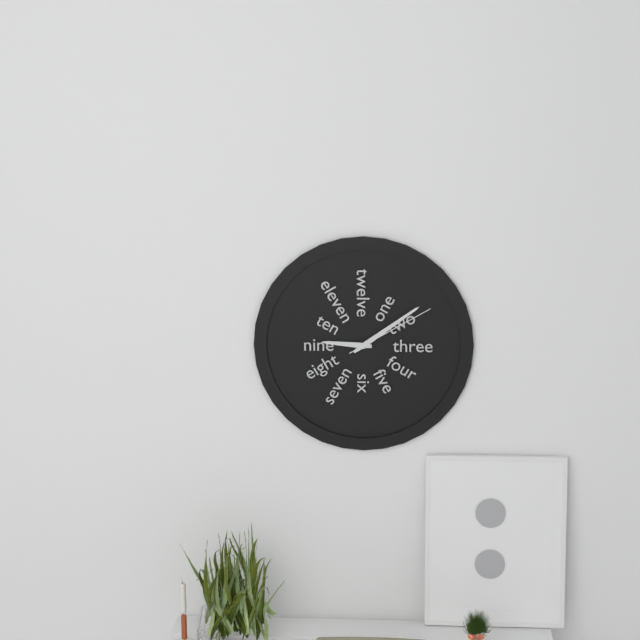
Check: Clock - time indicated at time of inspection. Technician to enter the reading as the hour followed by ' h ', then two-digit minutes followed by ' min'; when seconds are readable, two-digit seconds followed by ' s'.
9 h 09 min 10 s
